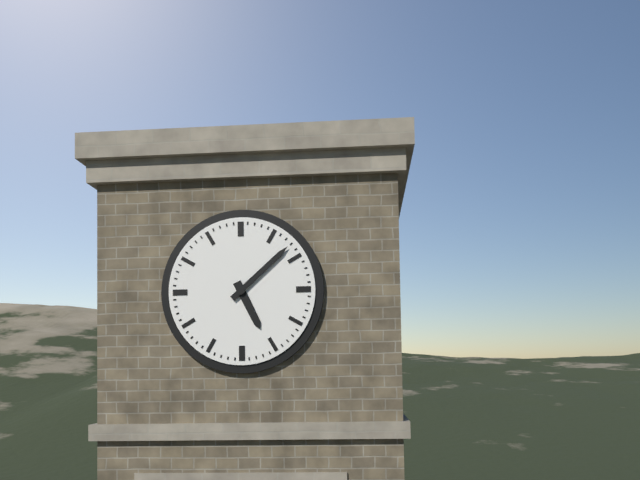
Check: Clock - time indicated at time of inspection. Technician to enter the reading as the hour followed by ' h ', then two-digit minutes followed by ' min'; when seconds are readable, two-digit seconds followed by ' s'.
5 h 08 min
